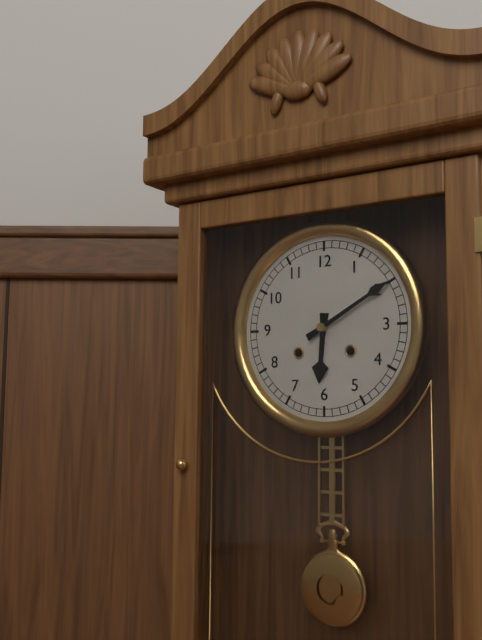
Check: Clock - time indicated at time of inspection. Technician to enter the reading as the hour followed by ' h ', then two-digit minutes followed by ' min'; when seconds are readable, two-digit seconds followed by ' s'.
6 h 10 min
